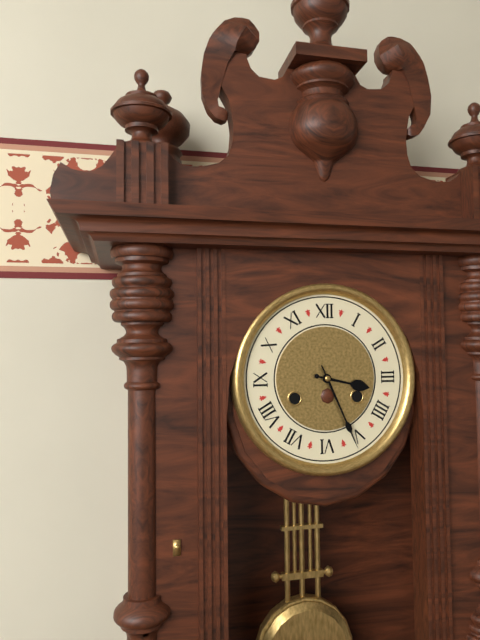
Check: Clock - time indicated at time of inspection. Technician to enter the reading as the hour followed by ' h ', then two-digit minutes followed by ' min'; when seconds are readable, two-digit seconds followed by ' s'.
3 h 26 min
